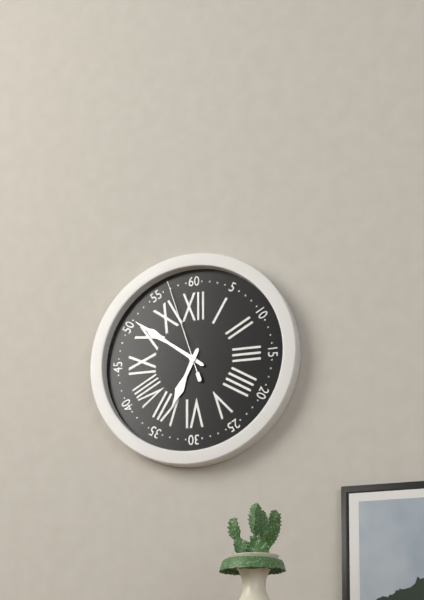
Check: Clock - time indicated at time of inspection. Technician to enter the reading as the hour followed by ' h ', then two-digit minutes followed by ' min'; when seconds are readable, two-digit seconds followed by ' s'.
6 h 51 min 57 s
